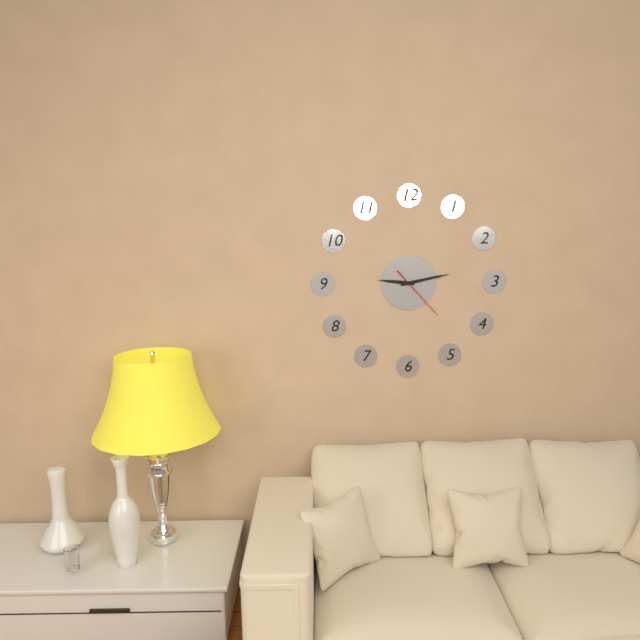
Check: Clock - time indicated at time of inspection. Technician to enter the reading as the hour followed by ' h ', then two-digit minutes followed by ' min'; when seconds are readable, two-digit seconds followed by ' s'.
9 h 13 min 23 s
